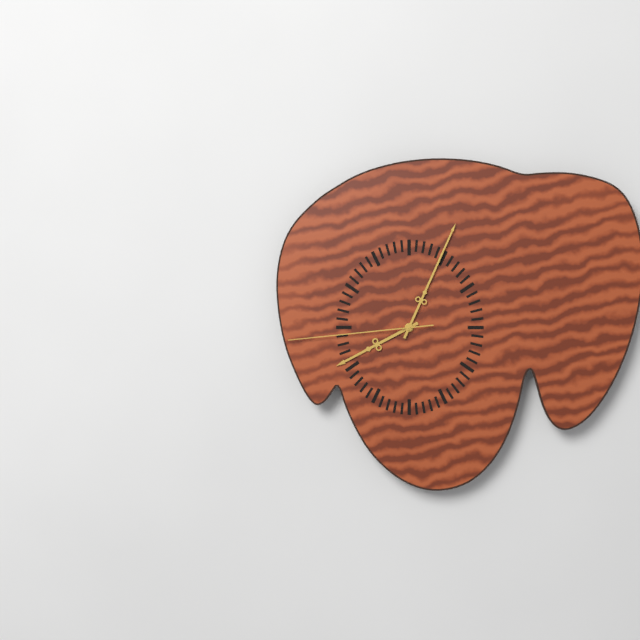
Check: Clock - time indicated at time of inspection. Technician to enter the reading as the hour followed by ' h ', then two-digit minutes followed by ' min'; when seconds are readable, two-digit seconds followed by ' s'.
8 h 04 min 44 s
